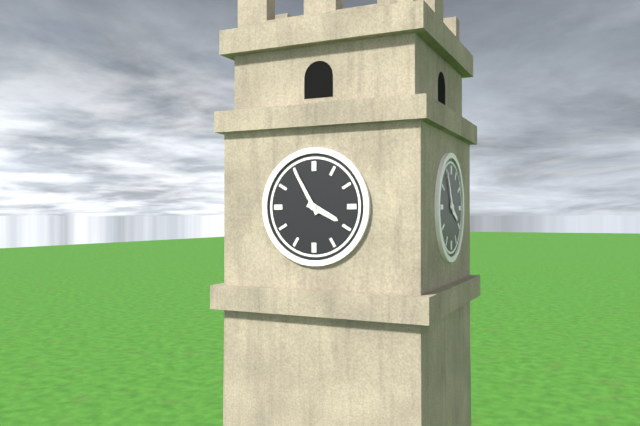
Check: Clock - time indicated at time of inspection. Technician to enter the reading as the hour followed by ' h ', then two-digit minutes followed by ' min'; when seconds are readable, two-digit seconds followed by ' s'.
3 h 55 min
